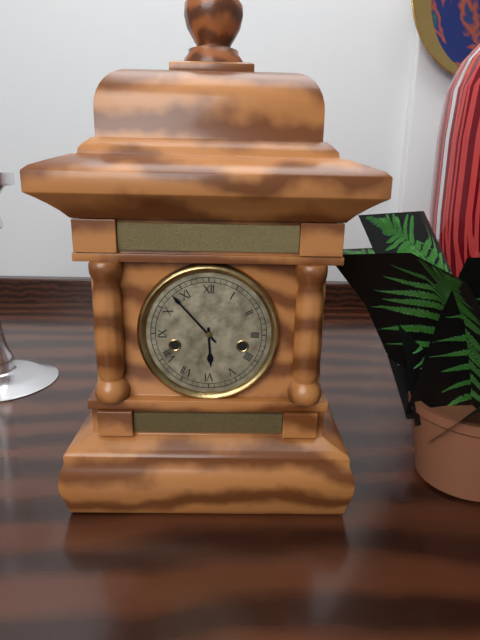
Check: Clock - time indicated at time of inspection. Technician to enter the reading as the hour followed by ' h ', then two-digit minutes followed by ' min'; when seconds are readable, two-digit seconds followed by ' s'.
5 h 53 min
